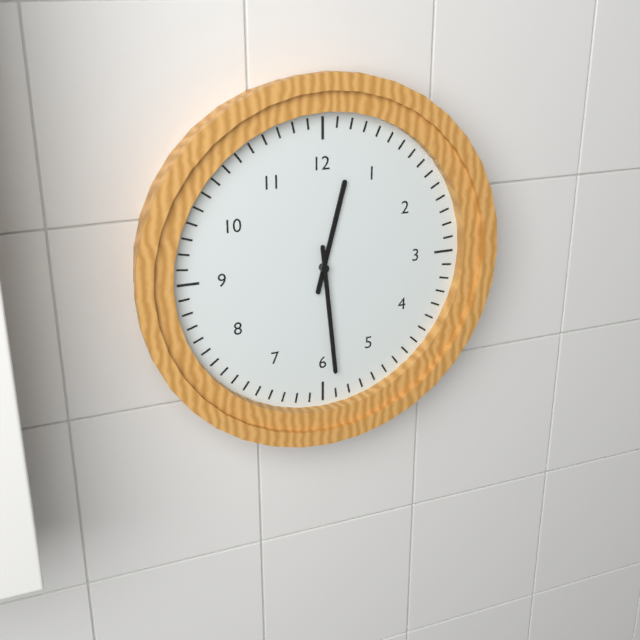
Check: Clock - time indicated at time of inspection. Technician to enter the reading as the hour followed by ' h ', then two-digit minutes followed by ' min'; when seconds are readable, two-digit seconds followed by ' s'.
12 h 29 min
